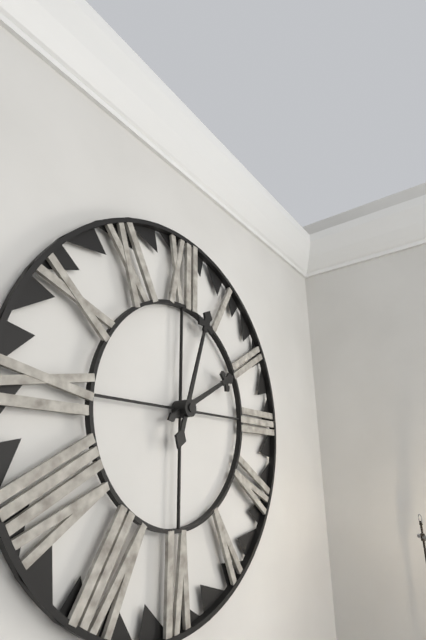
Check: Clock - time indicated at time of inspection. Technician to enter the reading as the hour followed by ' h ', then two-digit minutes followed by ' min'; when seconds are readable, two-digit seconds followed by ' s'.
2 h 03 min
